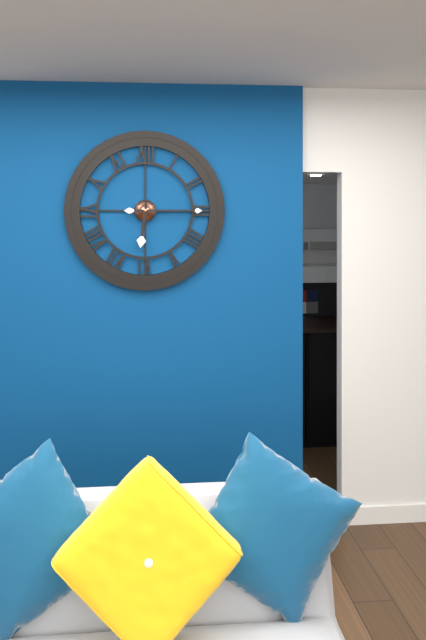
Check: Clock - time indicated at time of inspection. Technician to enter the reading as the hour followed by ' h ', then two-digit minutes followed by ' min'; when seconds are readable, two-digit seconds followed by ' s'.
6 h 15 min
